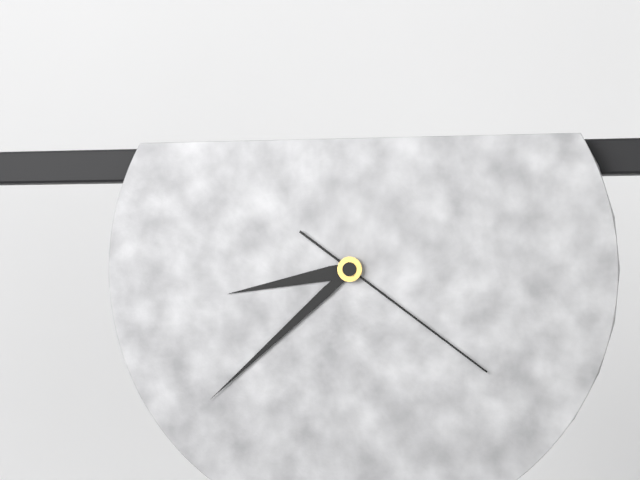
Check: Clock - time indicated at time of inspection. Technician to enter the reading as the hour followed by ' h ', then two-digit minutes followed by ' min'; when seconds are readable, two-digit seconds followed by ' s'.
8 h 38 min 21 s
